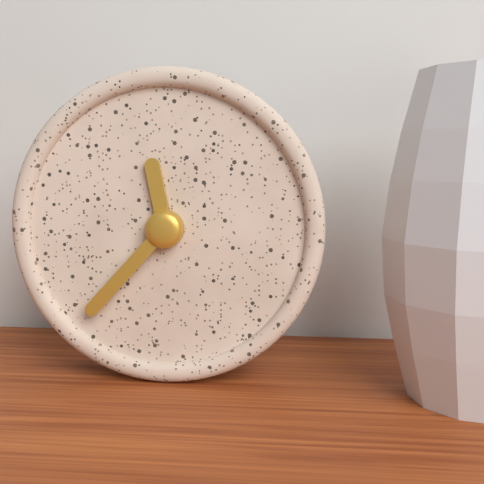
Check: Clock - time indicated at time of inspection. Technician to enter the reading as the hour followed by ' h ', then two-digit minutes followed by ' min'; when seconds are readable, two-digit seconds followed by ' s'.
11 h 37 min
